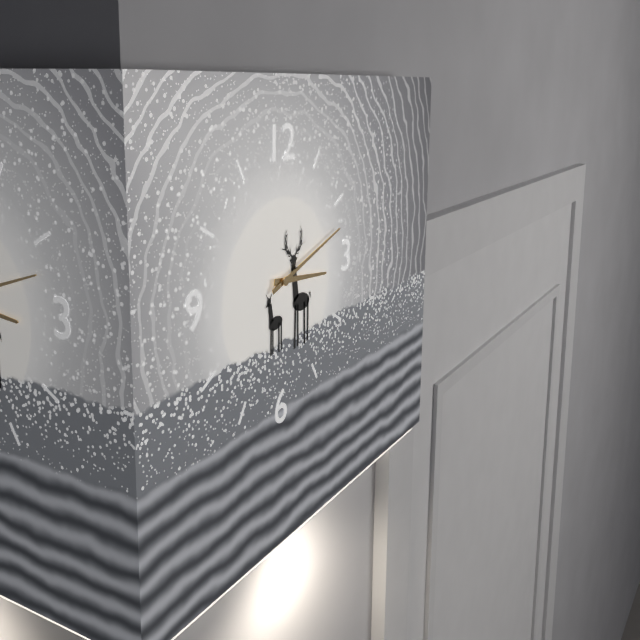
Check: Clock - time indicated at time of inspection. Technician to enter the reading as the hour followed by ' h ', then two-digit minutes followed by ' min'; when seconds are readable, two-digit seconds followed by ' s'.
3 h 12 min
